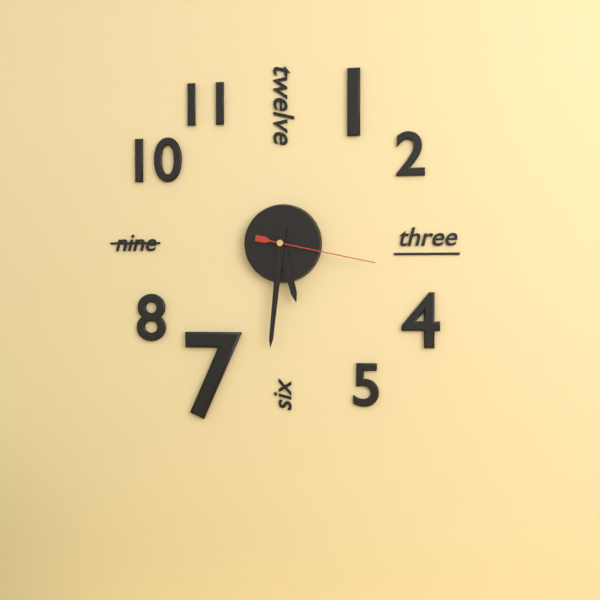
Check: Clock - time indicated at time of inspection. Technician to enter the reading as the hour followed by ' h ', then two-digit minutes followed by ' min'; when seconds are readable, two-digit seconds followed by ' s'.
5 h 31 min 17 s
